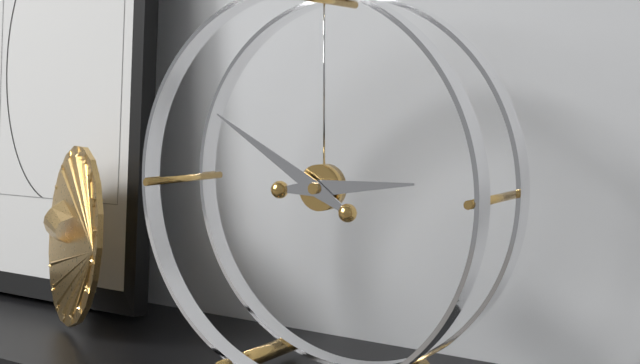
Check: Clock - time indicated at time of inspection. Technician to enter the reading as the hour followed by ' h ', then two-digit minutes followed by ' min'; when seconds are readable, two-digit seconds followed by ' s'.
2 h 50 min
